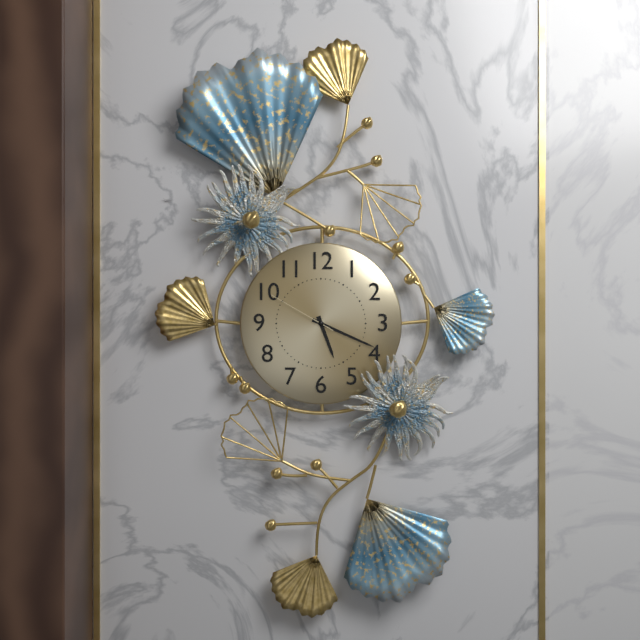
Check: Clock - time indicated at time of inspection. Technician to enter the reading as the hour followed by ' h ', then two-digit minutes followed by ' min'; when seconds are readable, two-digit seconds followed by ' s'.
5 h 19 min 50 s
